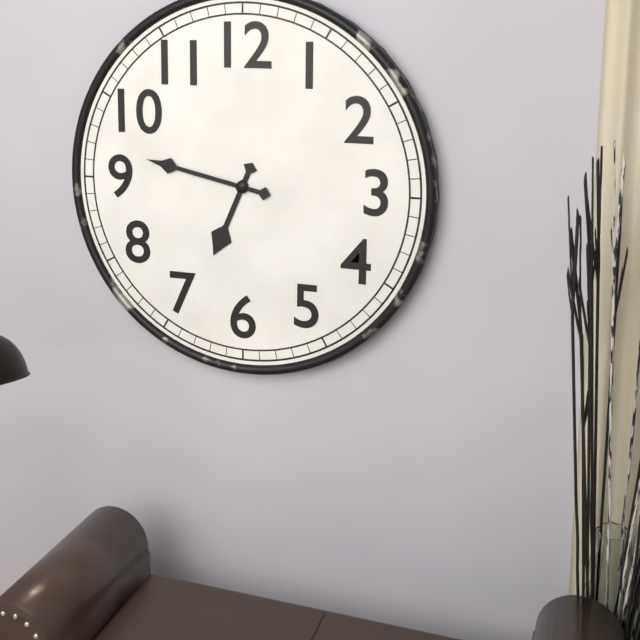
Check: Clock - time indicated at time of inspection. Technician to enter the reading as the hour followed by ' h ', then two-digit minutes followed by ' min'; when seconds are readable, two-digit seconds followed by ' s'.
6 h 47 min
